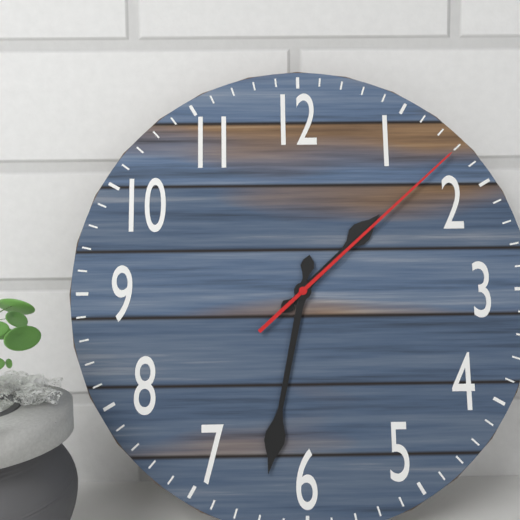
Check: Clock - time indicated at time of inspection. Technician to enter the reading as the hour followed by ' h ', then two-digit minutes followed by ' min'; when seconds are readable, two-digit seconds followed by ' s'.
1 h 32 min 08 s
